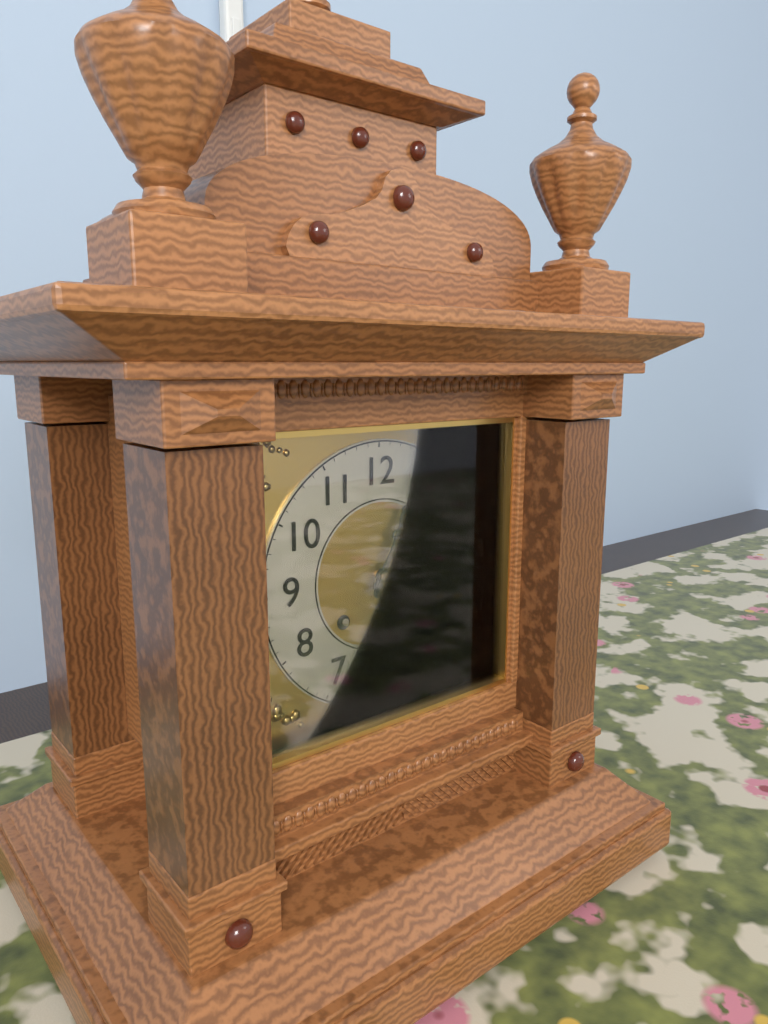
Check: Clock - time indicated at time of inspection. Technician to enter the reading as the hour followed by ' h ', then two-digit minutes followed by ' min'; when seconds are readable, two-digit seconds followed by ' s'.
1 h 04 min
